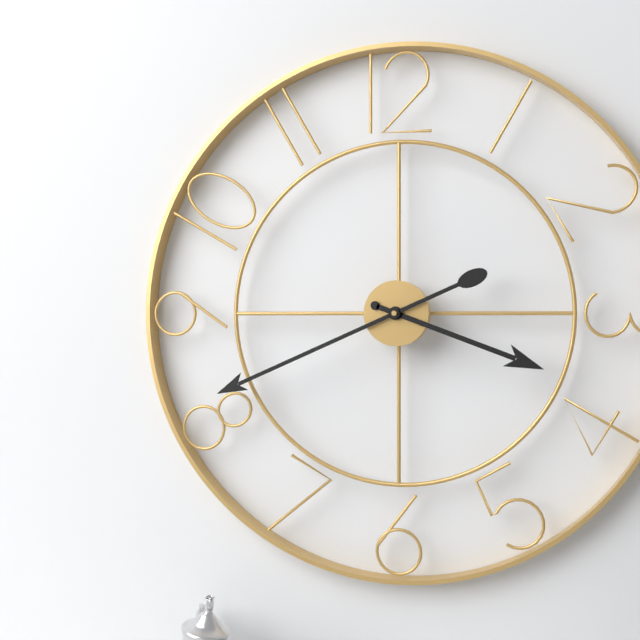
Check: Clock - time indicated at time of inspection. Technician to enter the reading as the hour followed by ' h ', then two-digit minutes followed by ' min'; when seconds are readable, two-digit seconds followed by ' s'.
3 h 41 min
